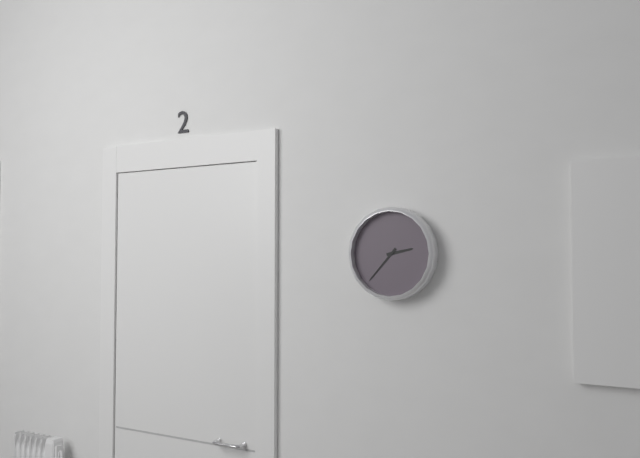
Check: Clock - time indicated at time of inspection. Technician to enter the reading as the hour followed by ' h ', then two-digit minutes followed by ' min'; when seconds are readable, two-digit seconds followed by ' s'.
2 h 37 min
